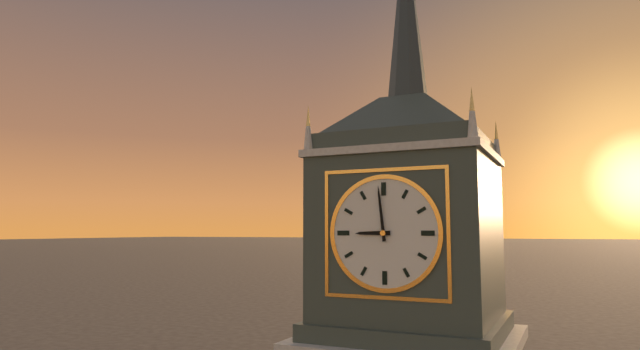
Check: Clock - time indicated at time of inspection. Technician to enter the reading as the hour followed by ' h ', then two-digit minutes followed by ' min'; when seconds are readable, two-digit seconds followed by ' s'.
8 h 59 min
